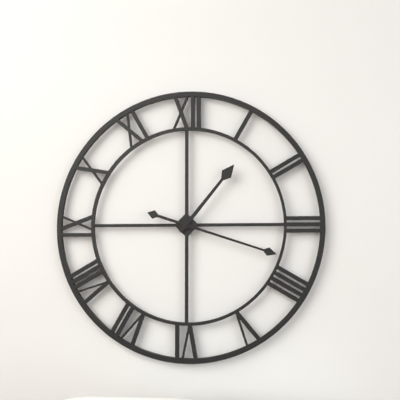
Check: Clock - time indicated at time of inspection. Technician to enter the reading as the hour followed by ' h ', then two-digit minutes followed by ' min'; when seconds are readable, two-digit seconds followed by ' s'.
1 h 18 min
